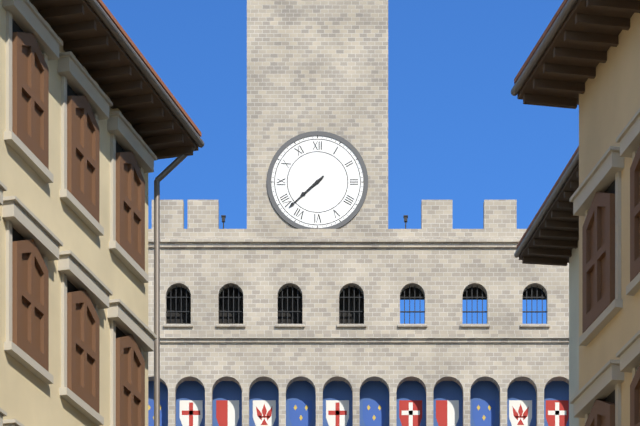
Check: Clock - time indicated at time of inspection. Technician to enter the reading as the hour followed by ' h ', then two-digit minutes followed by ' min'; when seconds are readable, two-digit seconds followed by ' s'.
7 h 38 min
